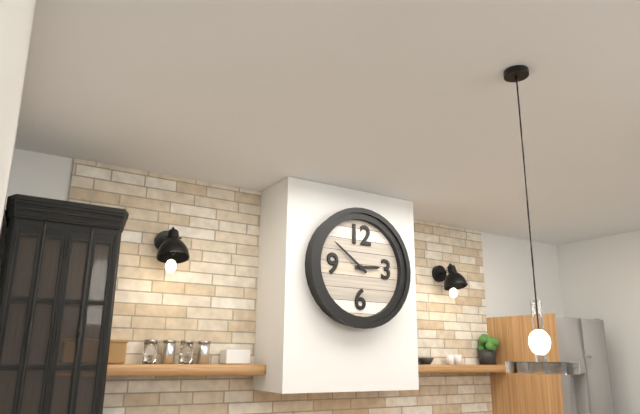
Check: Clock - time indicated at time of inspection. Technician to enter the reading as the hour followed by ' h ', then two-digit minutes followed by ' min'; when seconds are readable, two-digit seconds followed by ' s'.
2 h 51 min
